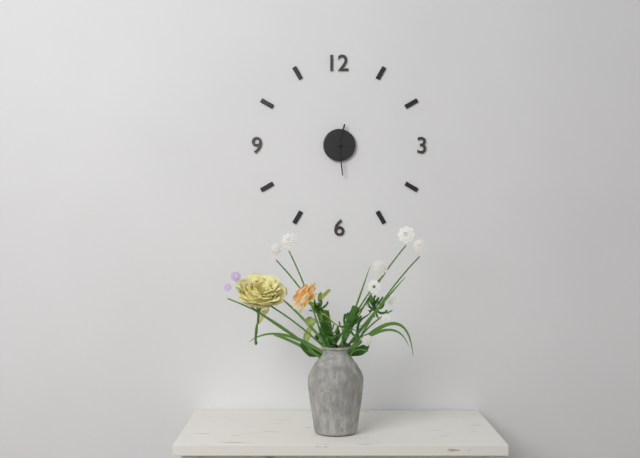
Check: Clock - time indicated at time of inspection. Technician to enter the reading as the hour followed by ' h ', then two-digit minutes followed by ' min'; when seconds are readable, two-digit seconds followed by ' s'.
12 h 29 min
